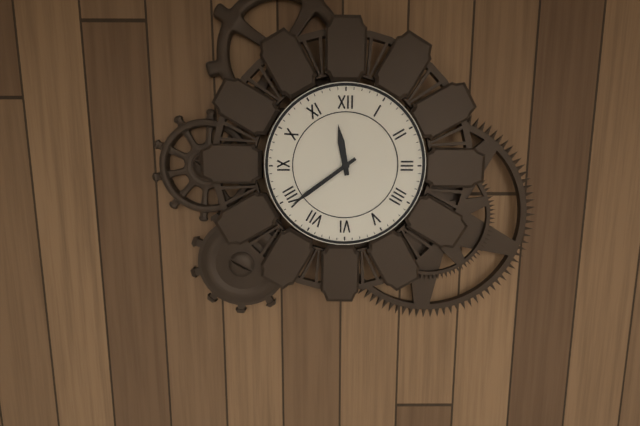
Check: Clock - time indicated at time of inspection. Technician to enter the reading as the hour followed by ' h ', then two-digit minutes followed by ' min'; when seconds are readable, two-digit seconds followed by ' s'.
11 h 39 min
